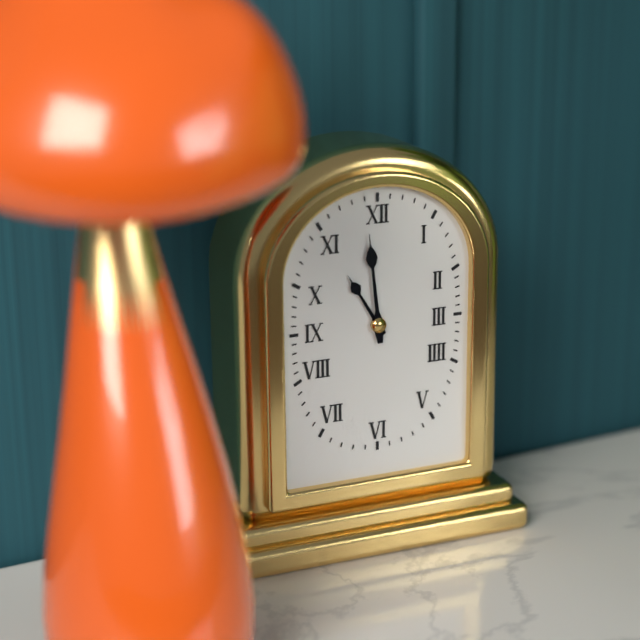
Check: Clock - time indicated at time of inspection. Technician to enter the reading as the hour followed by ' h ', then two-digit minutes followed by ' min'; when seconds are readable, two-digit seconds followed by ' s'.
10 h 59 min
